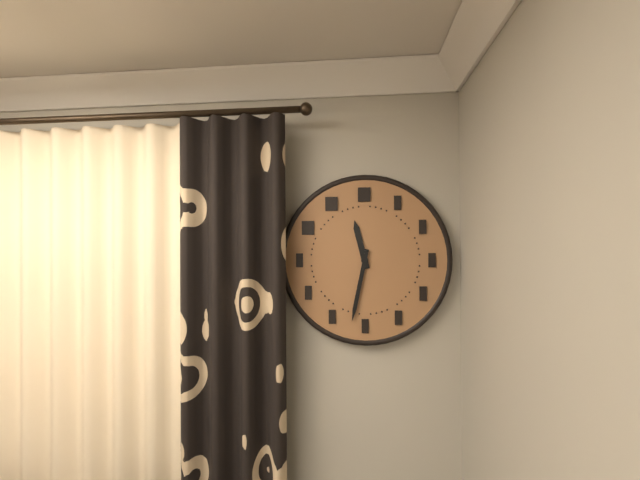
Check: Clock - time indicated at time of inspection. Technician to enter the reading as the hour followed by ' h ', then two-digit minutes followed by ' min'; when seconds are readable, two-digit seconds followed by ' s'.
11 h 32 min
